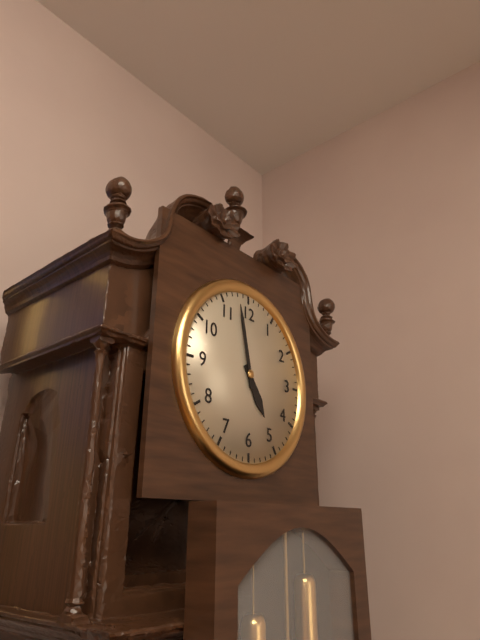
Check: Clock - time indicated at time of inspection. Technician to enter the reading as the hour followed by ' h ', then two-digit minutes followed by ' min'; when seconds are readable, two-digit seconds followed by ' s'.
4 h 58 min
